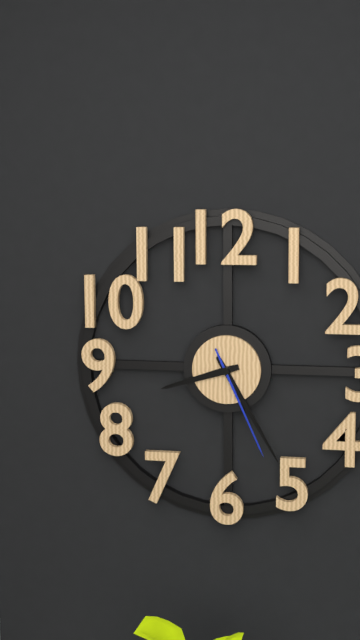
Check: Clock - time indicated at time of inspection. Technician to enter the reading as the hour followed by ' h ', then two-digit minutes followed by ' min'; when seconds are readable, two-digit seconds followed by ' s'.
8 h 25 min 26 s
